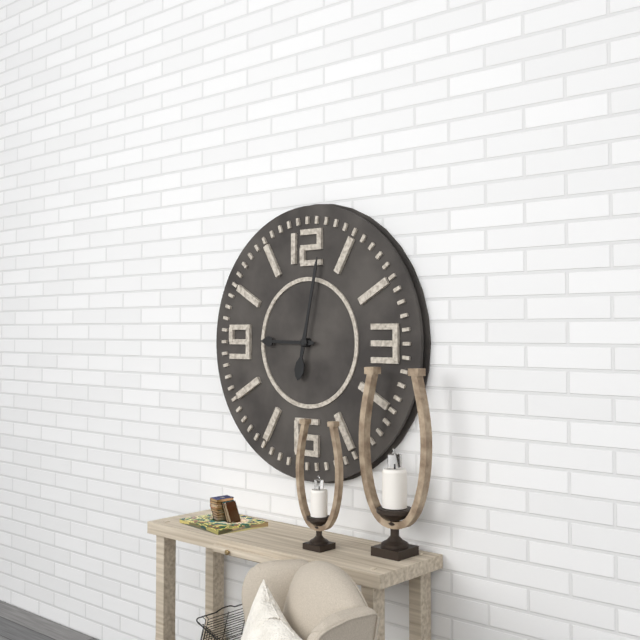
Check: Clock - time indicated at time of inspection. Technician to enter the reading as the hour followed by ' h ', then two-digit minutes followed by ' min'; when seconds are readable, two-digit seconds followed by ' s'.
9 h 02 min
